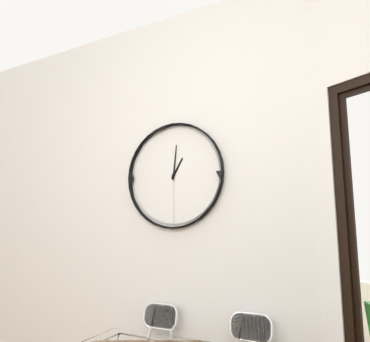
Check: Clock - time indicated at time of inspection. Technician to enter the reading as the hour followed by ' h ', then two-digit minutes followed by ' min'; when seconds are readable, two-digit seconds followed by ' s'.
1 h 01 min
